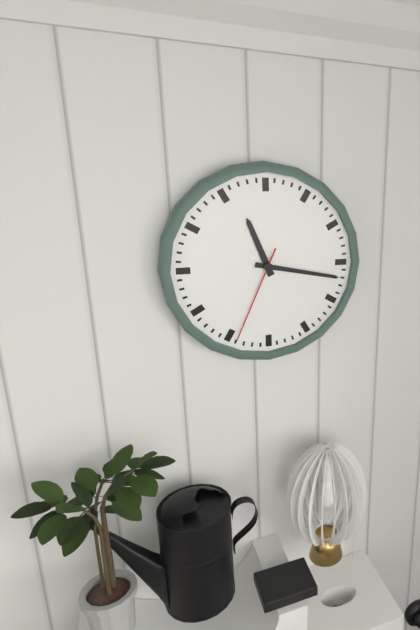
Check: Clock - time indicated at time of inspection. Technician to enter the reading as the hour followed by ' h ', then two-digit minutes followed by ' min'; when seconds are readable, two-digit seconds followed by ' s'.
11 h 17 min 34 s
